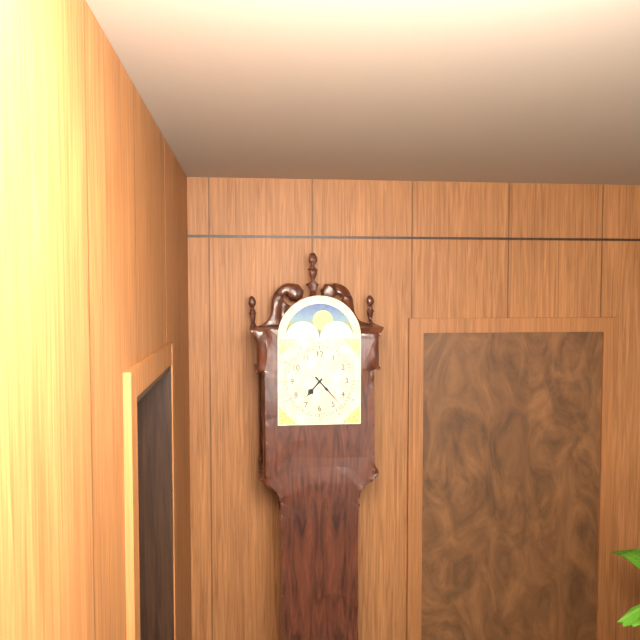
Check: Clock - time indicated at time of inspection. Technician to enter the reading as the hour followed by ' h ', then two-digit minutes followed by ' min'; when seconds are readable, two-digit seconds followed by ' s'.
7 h 23 min
